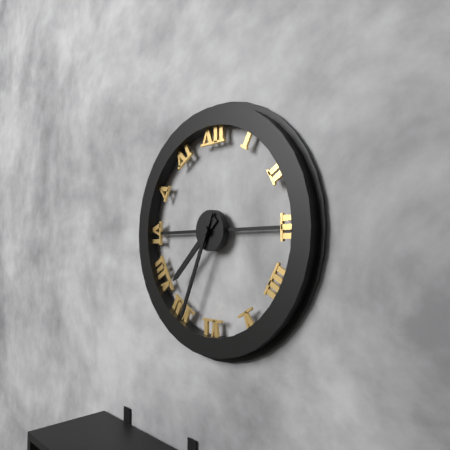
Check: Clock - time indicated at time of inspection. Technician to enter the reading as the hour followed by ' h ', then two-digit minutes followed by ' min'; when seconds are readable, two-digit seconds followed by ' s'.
7 h 34 min
